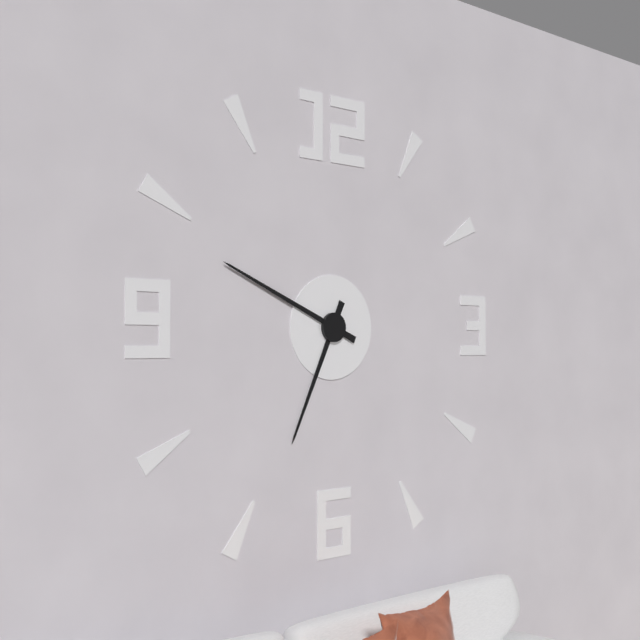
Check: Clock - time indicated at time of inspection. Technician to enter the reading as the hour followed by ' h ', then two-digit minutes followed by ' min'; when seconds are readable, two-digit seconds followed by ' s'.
6 h 49 min
